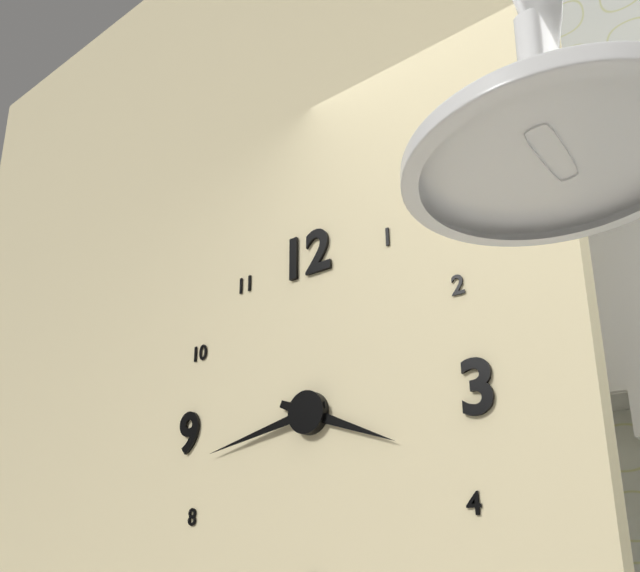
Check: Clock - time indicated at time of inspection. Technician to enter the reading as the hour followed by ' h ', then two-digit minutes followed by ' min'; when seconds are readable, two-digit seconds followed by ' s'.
3 h 43 min
